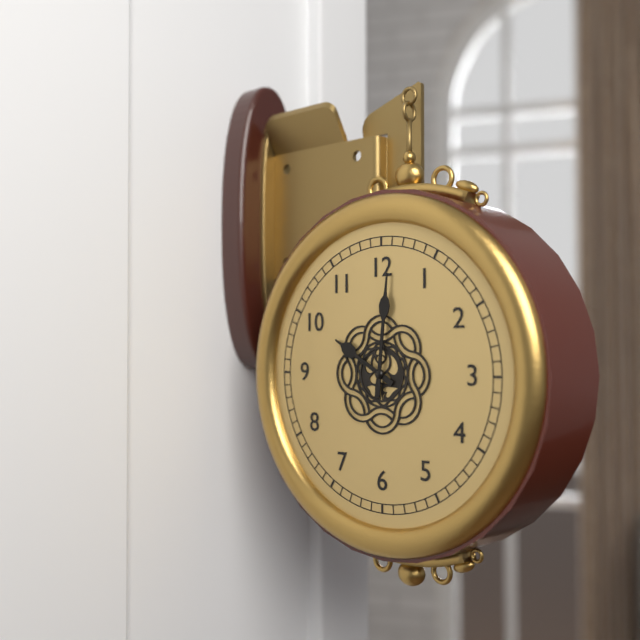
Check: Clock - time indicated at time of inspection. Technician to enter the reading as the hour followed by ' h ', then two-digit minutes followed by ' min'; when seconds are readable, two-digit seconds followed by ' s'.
10 h 01 min
